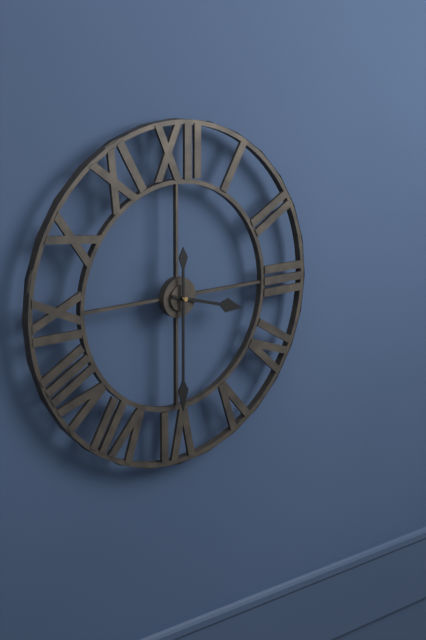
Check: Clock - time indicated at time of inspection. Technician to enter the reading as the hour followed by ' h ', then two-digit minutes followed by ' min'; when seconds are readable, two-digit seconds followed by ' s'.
3 h 30 min
